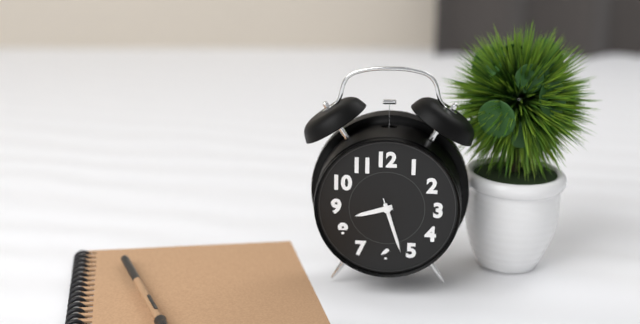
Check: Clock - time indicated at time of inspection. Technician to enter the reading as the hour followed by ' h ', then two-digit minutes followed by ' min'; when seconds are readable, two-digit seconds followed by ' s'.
8 h 27 min 27 s
